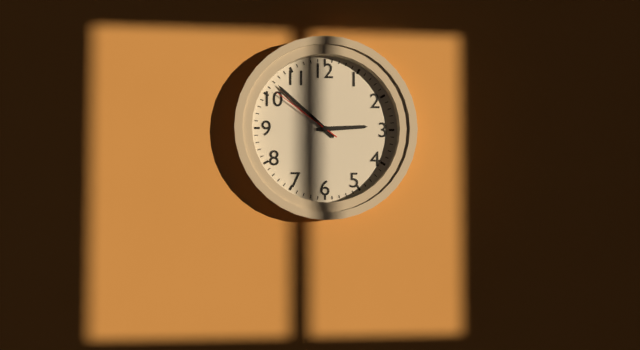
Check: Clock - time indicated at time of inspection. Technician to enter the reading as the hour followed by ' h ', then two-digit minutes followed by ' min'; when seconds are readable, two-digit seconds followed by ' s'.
2 h 52 min 51 s
